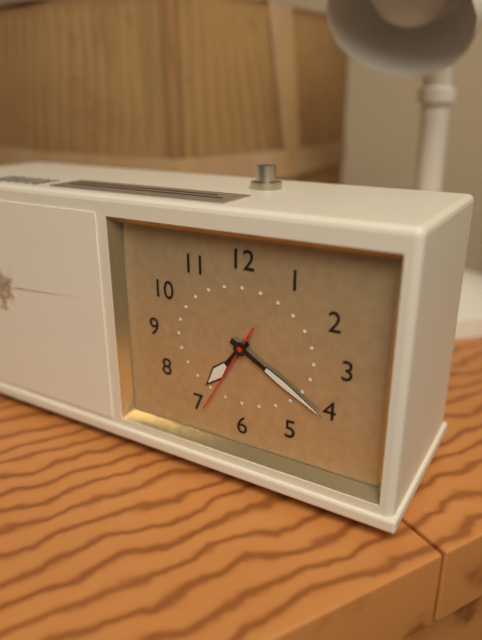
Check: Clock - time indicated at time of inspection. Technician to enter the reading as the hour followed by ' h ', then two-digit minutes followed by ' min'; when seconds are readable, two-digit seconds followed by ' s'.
7 h 20 min 35 s
